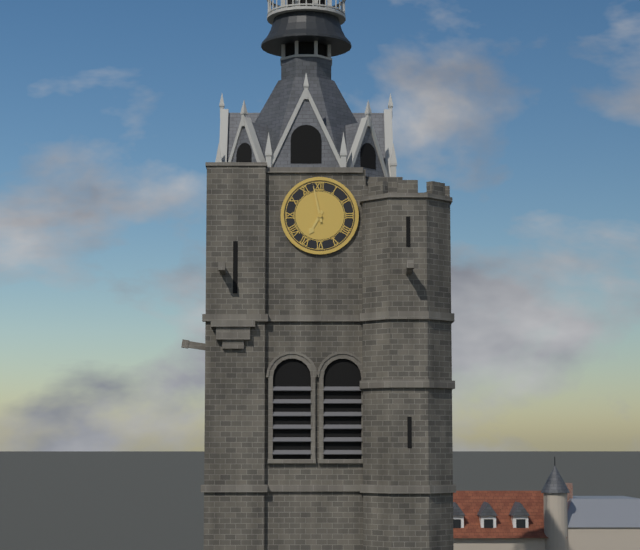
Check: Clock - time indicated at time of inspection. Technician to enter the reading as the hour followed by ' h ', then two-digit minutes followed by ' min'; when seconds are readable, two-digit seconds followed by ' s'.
6 h 58 min
